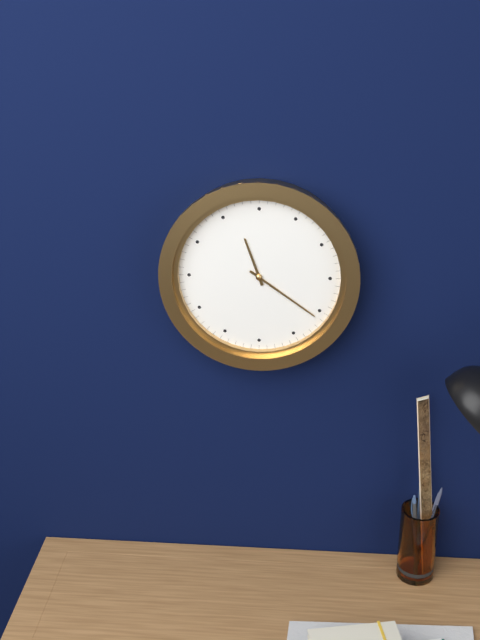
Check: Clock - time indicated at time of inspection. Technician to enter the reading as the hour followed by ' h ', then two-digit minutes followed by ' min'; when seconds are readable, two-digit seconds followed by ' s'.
11 h 21 min
